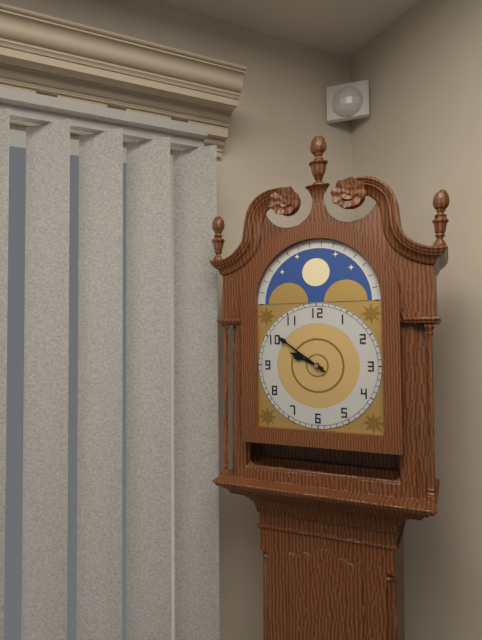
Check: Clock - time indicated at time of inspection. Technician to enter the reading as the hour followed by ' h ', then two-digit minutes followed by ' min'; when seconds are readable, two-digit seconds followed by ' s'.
9 h 51 min
